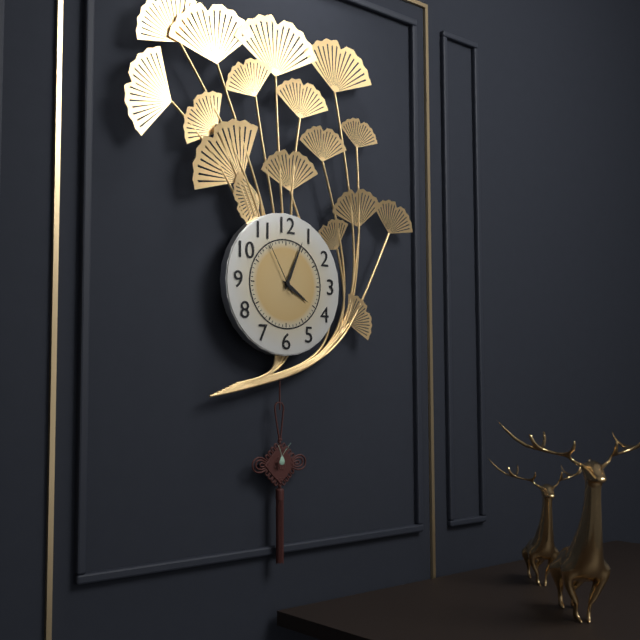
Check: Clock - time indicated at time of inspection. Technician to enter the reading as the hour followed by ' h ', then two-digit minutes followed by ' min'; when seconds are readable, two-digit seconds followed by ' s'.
4 h 04 min 55 s
